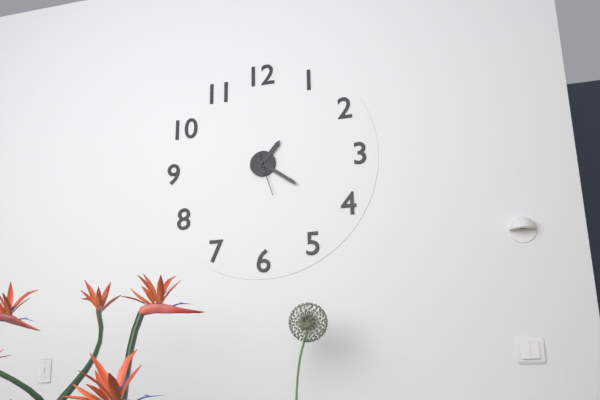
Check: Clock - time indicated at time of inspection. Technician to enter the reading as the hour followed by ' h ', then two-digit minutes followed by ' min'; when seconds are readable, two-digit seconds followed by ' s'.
1 h 21 min
